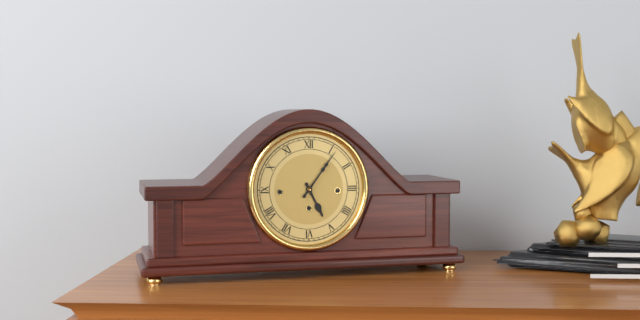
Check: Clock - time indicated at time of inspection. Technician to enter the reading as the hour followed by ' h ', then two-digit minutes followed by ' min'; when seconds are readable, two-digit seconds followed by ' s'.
5 h 06 min
